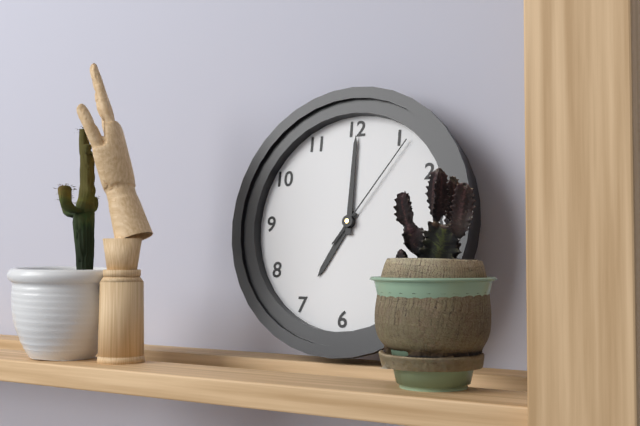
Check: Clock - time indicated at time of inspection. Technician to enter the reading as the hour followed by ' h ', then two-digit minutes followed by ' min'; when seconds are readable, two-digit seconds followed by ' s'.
7 h 00 min 06 s
